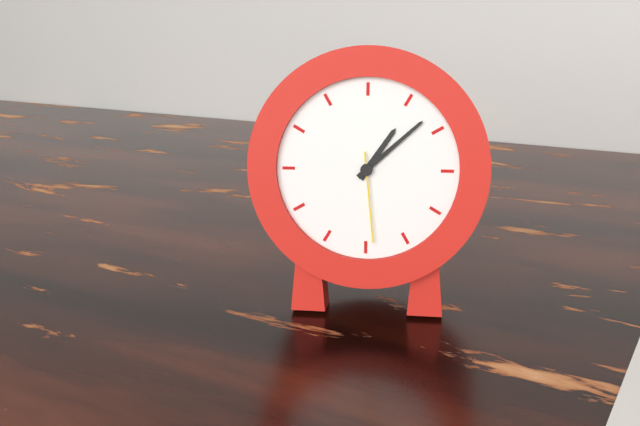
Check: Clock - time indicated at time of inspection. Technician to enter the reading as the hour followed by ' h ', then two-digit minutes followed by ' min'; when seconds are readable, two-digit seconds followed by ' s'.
1 h 08 min 29 s
